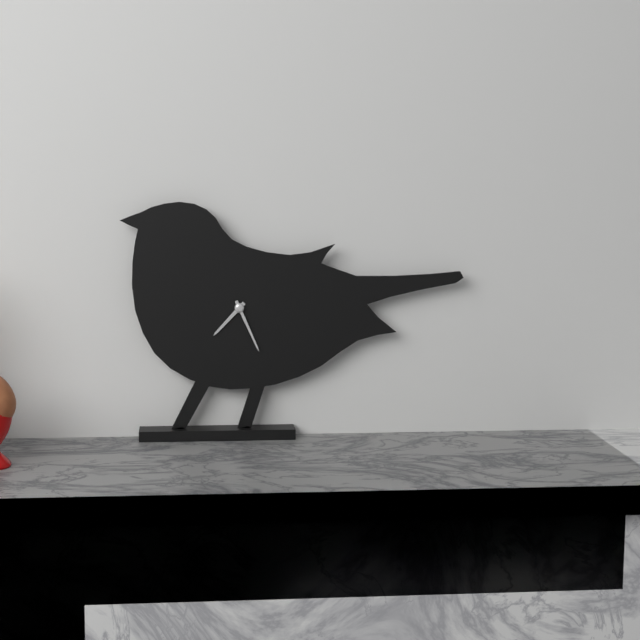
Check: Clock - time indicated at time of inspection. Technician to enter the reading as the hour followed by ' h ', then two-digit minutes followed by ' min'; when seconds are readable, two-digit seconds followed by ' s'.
7 h 26 min
